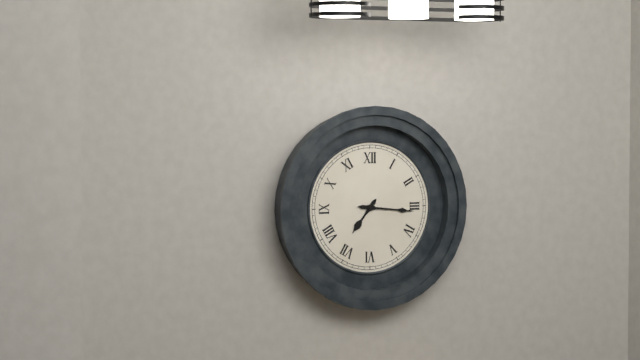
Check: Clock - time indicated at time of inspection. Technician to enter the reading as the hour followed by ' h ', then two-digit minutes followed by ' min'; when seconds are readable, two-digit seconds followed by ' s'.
7 h 16 min
